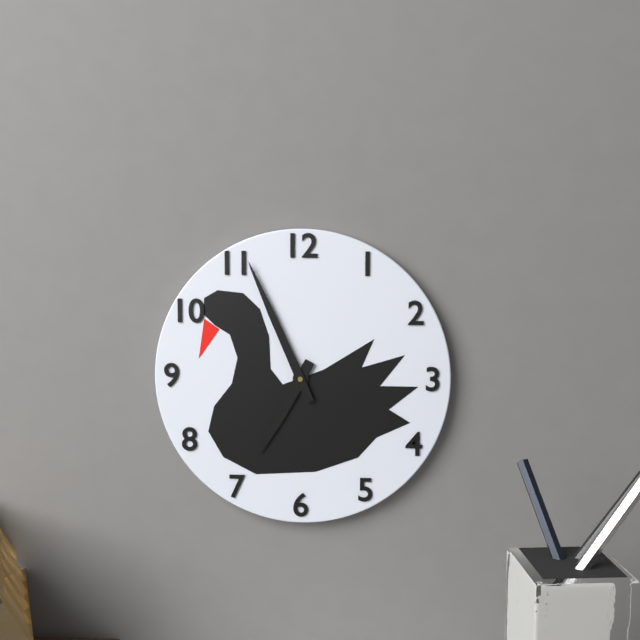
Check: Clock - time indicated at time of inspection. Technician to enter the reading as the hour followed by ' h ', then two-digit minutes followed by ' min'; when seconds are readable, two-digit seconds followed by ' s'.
6 h 56 min
